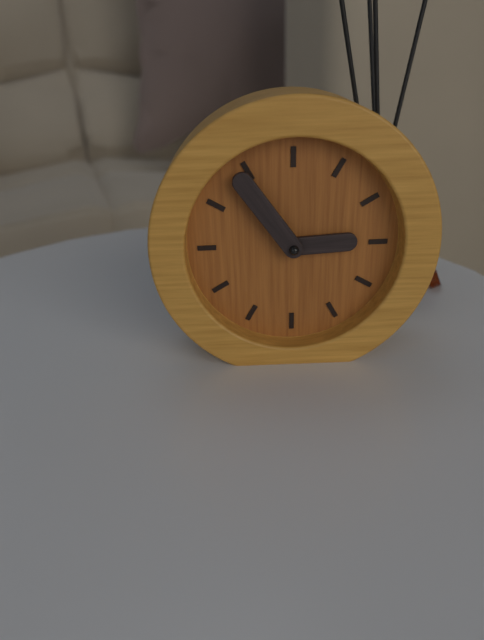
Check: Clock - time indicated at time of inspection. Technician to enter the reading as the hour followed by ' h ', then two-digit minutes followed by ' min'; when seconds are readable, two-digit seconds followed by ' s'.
2 h 54 min
